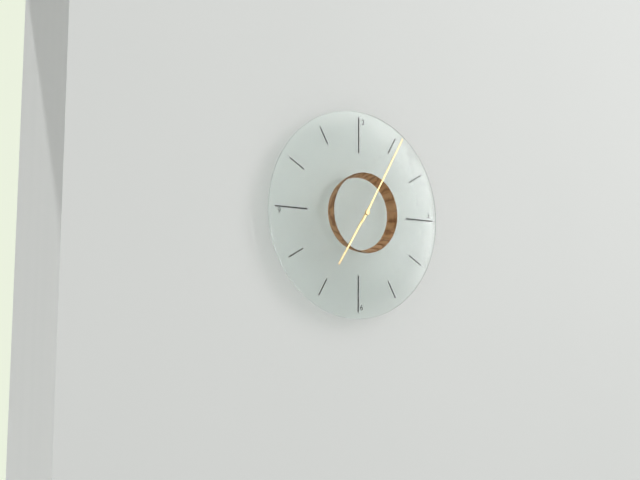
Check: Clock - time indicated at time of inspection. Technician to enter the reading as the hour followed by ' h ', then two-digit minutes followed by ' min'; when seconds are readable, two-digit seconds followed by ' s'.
7 h 05 min
